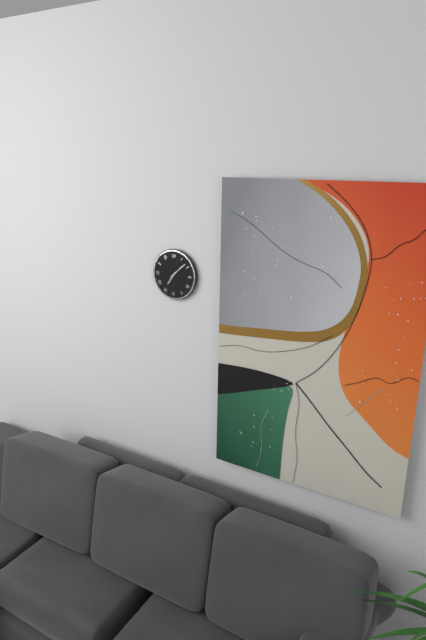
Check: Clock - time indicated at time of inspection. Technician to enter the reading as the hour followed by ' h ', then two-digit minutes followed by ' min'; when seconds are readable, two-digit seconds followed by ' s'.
7 h 08 min
